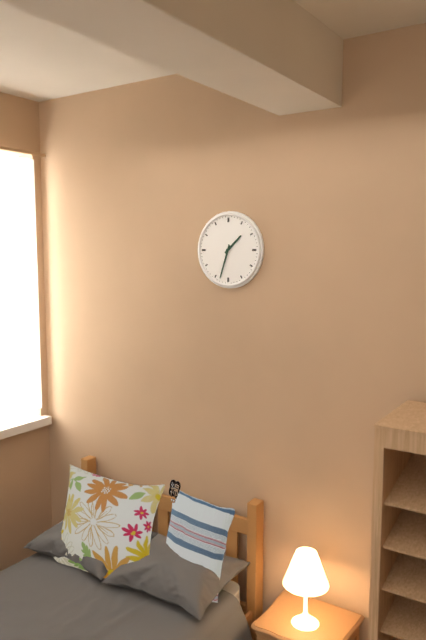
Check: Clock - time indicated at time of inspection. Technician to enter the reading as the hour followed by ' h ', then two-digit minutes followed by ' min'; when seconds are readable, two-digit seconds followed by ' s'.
1 h 33 min
